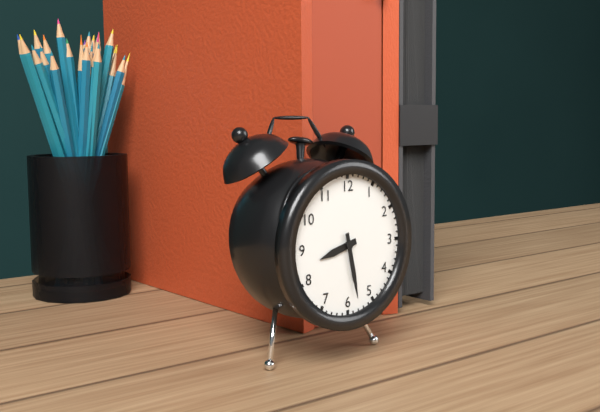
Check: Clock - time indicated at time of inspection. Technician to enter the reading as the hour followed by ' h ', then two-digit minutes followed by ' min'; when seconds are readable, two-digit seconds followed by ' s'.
8 h 28 min
